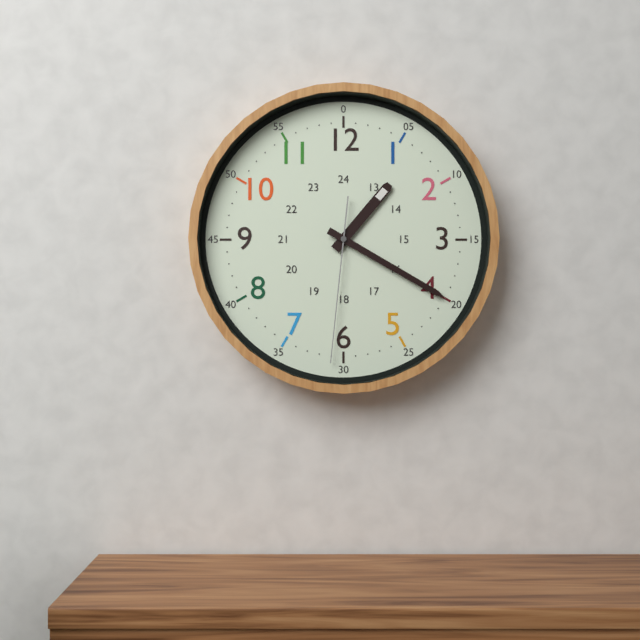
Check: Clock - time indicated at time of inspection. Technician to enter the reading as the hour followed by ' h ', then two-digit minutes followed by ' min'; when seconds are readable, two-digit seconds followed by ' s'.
1 h 20 min 31 s
